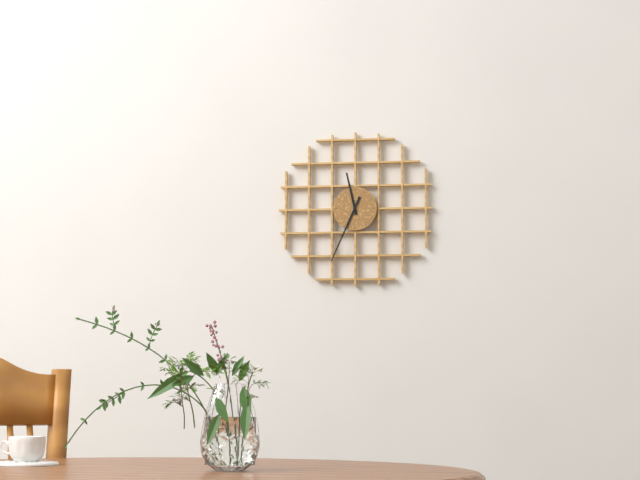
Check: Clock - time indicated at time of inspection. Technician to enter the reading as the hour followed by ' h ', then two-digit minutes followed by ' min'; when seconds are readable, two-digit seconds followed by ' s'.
11 h 34 min
